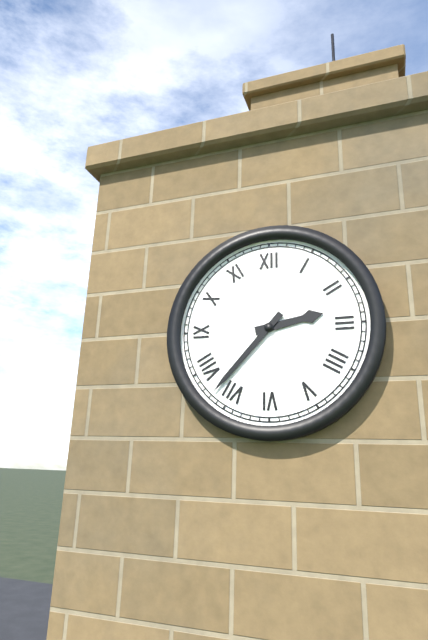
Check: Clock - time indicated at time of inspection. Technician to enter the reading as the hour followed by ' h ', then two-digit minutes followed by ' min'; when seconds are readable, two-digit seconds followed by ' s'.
2 h 37 min
